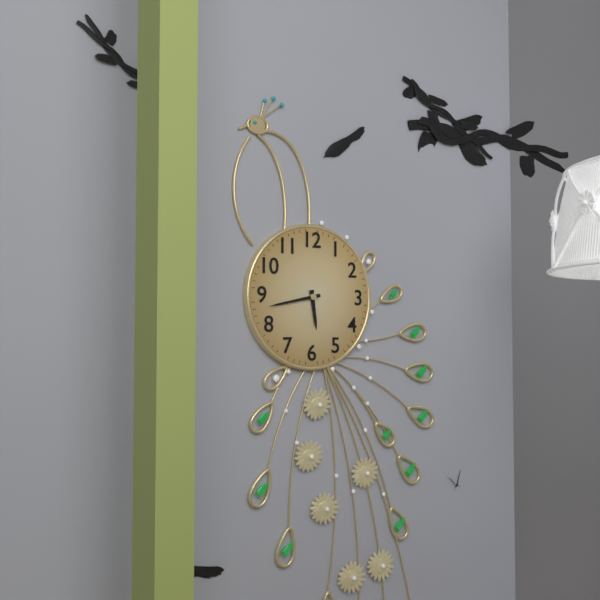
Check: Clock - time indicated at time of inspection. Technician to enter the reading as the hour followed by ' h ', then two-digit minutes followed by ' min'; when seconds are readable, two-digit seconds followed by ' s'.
5 h 43 min
